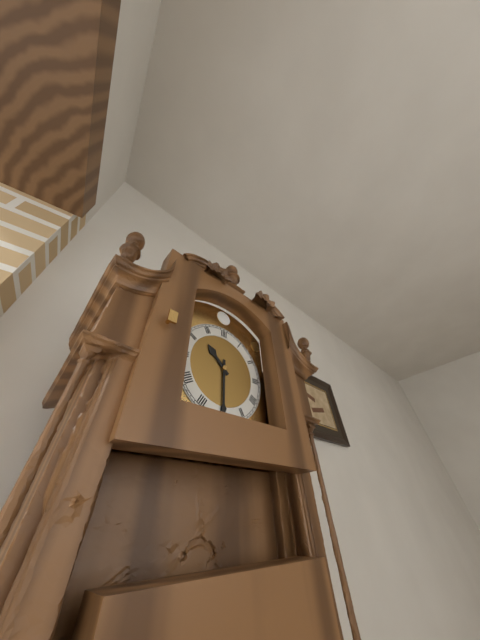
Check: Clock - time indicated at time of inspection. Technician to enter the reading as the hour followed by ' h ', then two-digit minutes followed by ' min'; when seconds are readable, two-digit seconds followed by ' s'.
10 h 30 min
